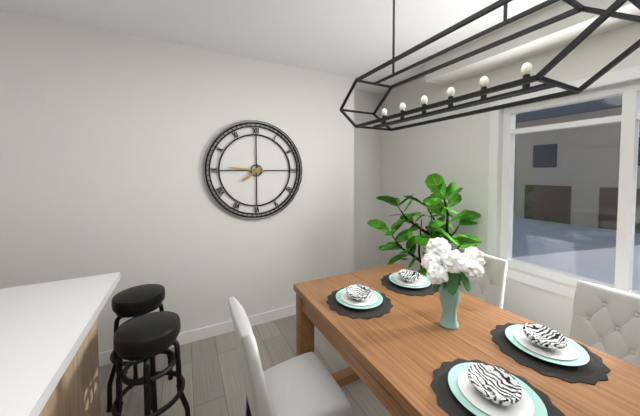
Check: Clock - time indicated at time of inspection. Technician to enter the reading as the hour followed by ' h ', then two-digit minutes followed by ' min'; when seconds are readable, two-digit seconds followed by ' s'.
7 h 46 min
